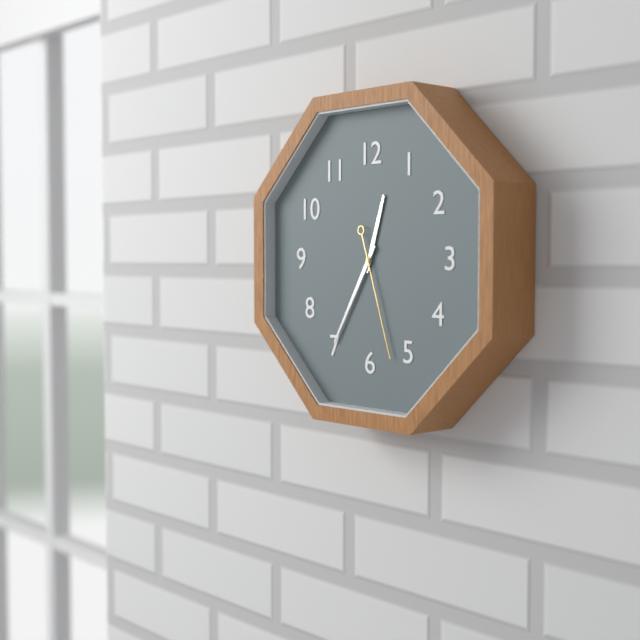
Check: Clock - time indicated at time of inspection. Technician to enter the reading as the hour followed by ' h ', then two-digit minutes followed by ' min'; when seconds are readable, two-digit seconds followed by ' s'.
12 h 35 min 27 s
